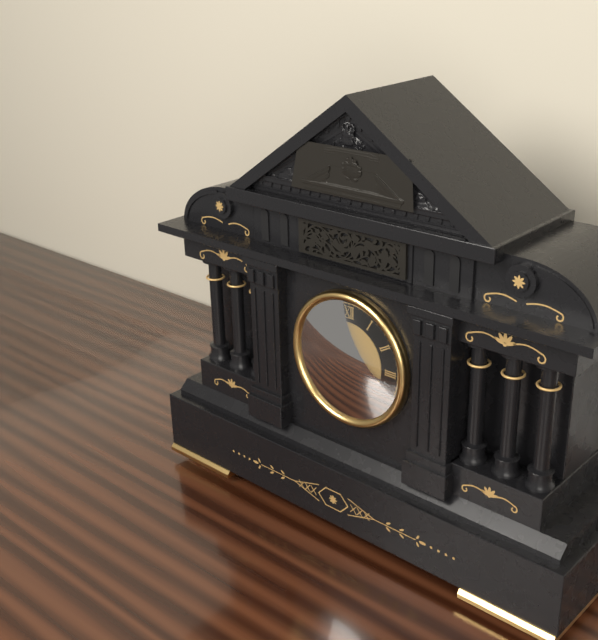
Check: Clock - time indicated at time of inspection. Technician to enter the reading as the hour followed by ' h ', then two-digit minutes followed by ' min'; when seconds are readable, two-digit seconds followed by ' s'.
9 h 17 min
